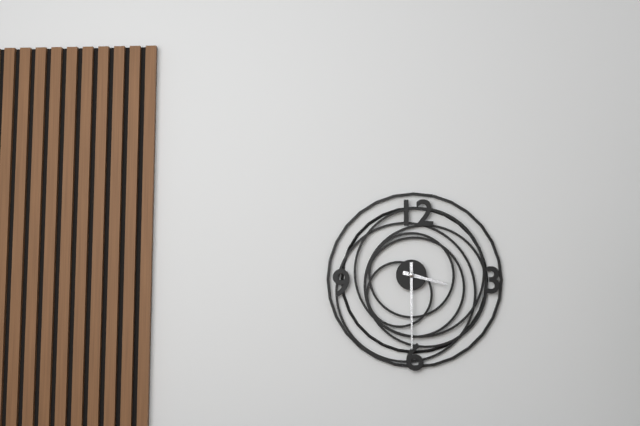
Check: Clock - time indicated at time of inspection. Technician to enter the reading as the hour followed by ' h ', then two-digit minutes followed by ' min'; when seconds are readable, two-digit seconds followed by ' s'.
3 h 30 min
